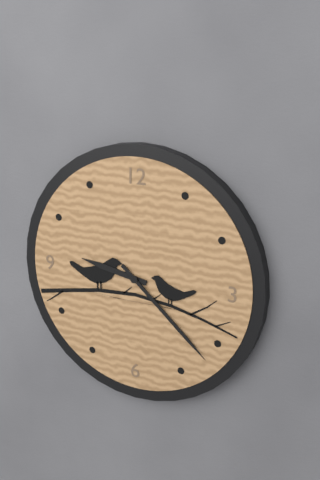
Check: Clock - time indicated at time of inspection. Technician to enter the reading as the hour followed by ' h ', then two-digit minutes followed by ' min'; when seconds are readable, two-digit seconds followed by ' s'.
9 h 22 min
